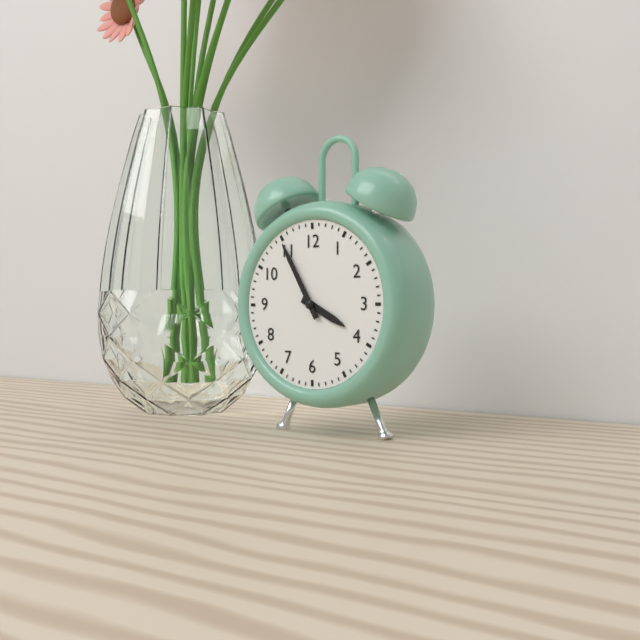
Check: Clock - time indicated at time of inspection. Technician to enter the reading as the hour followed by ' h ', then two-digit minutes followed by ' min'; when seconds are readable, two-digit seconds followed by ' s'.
3 h 55 min
